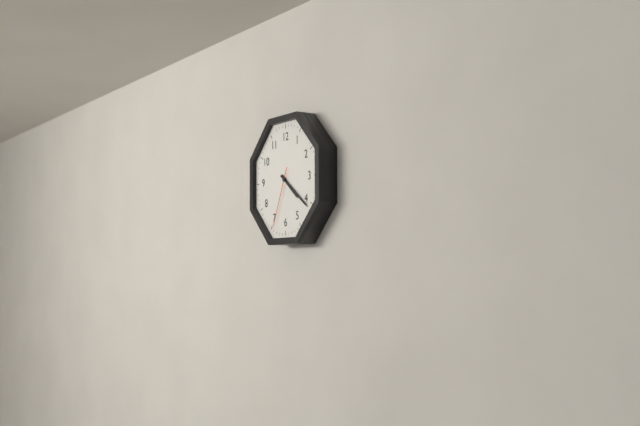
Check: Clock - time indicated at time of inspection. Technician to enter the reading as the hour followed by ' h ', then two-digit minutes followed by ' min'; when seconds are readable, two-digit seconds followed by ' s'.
4 h 21 min 34 s
